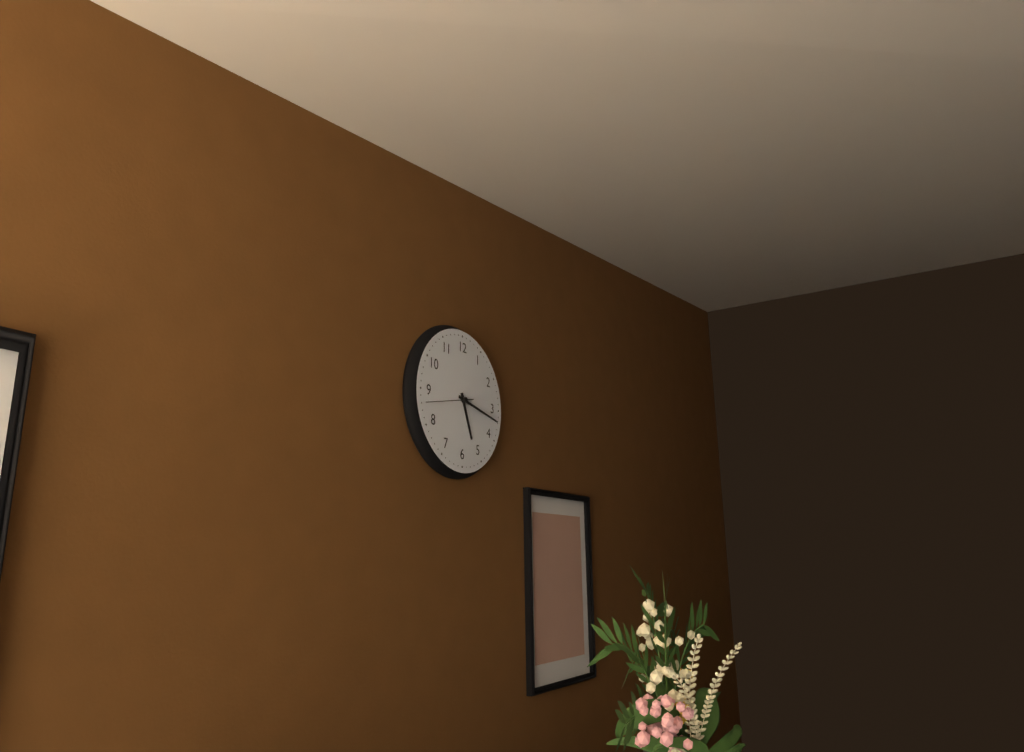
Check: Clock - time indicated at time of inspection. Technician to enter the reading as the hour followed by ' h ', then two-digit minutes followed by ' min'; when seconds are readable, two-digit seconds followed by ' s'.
5 h 17 min
